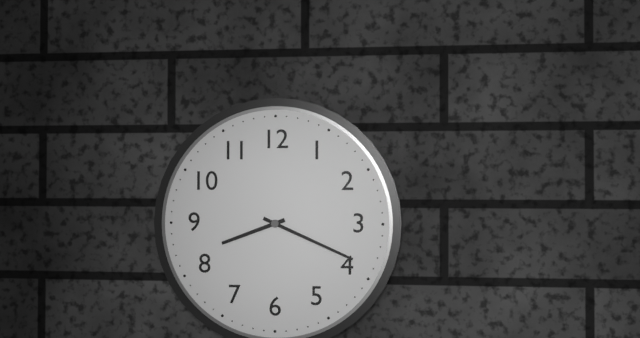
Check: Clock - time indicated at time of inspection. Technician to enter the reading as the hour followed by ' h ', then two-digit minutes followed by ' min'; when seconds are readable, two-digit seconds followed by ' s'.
8 h 19 min
